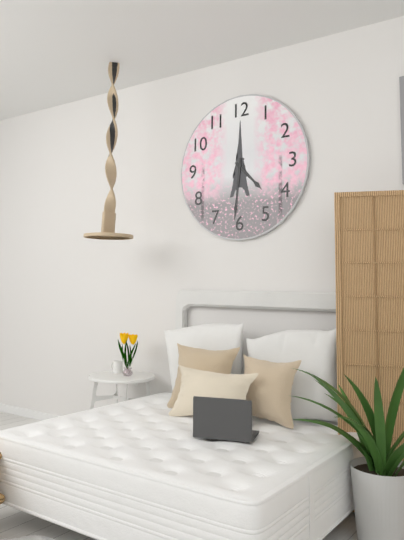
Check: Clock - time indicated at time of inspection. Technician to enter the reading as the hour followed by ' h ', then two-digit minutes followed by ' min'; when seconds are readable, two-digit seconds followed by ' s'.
4 h 31 min
